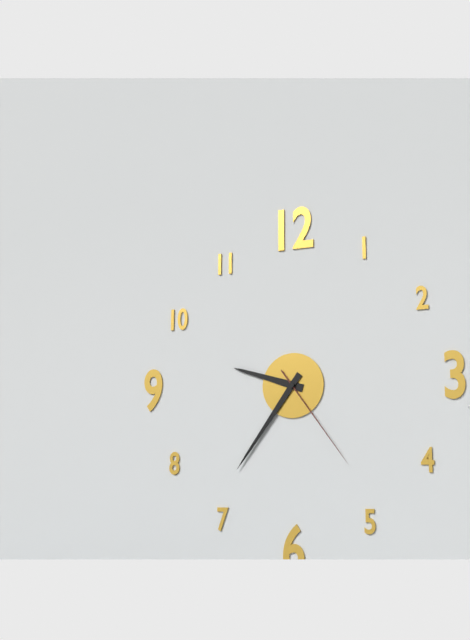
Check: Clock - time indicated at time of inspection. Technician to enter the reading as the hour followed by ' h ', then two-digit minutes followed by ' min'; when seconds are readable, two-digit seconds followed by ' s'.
9 h 36 min 24 s
